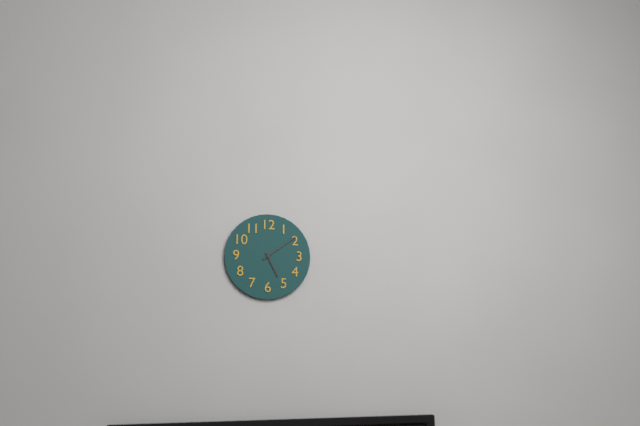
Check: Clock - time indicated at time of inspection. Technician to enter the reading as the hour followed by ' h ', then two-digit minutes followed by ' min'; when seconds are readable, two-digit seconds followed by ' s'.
5 h 09 min
